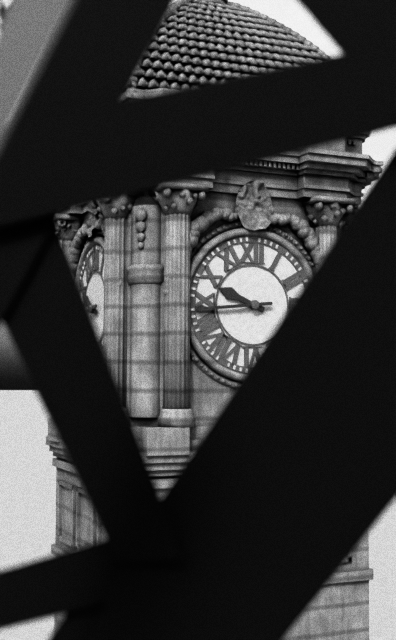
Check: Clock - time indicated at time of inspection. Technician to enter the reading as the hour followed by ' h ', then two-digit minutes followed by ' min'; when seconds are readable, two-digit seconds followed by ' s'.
9 h 44 min
